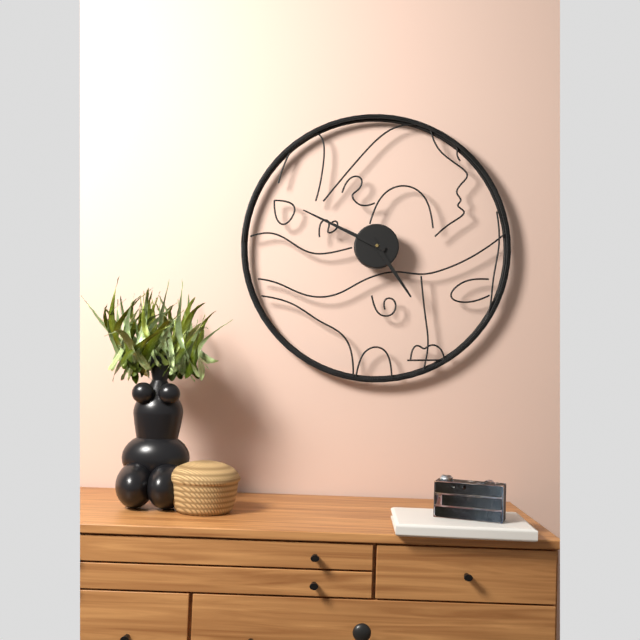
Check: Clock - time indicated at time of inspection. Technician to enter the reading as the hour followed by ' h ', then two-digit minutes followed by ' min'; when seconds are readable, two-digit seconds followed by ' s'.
4 h 49 min
